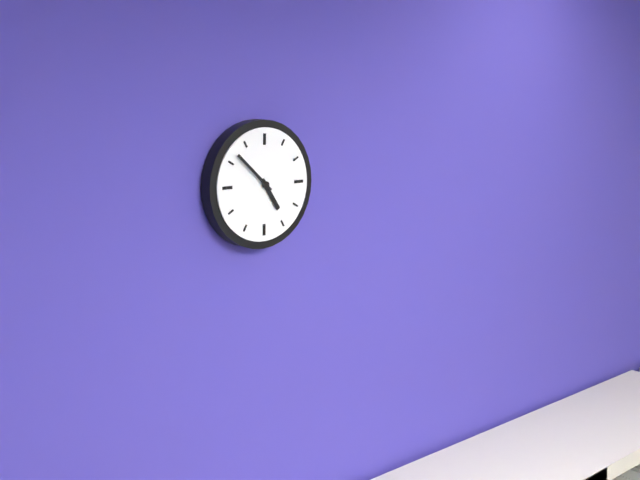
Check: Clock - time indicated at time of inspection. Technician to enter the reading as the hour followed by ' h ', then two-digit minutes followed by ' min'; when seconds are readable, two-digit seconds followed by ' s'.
4 h 52 min
